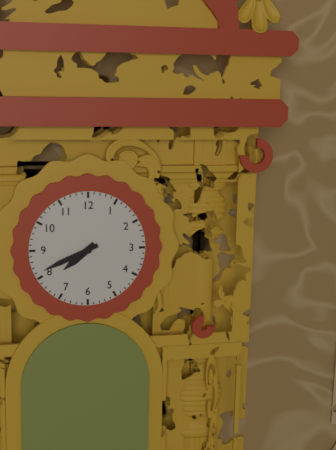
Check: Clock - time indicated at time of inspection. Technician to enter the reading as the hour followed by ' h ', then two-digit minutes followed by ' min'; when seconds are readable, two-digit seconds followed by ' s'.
7 h 41 min
